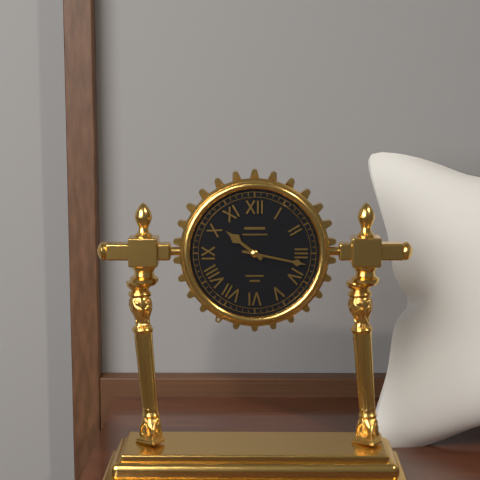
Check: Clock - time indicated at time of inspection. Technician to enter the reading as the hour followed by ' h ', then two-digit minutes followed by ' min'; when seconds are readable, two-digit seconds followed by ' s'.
10 h 17 min
